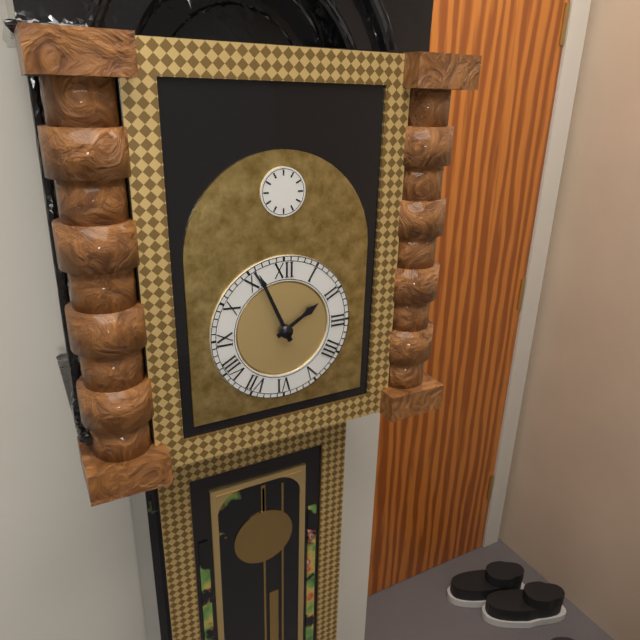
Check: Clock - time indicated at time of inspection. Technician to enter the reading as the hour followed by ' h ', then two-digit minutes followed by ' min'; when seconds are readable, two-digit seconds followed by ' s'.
1 h 56 min
